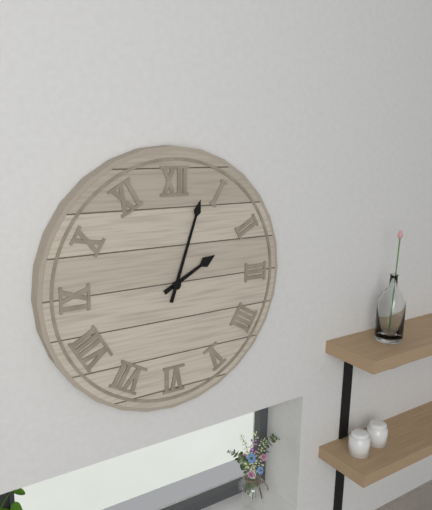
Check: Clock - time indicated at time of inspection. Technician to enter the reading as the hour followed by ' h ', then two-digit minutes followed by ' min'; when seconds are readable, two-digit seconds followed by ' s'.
2 h 03 min
